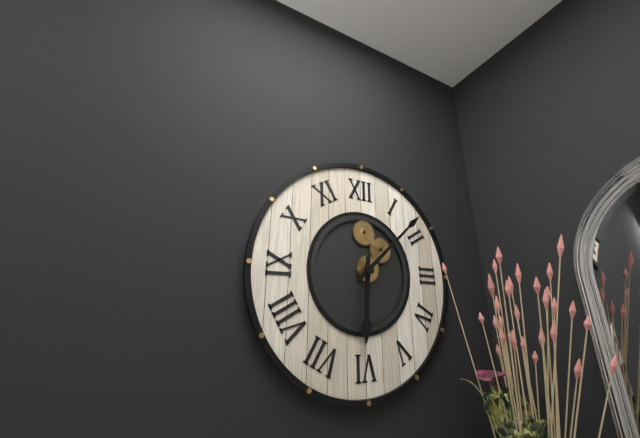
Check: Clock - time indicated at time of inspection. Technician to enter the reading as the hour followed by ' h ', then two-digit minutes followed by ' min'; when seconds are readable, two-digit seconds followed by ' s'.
6 h 08 min
